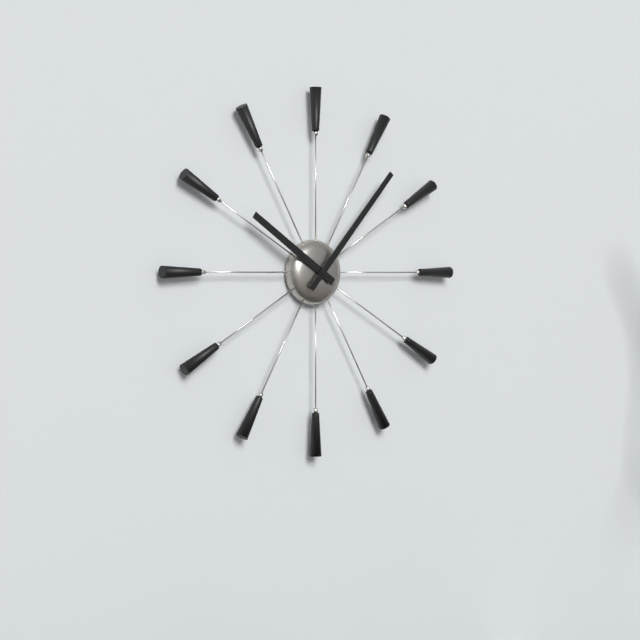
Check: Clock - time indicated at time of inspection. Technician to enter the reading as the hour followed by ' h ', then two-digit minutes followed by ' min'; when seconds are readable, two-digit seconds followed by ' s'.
10 h 07 min
